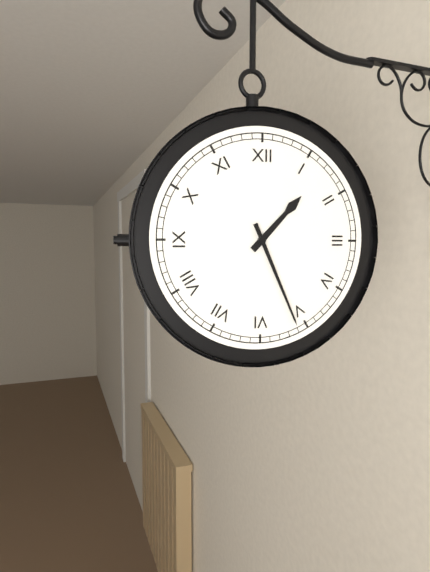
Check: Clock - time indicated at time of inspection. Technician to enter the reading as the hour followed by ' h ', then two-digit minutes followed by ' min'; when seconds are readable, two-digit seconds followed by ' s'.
1 h 26 min
